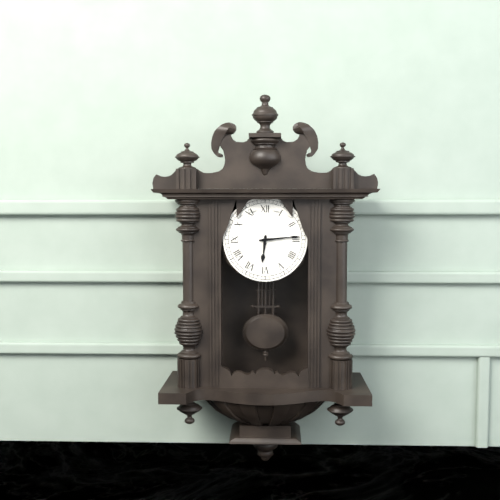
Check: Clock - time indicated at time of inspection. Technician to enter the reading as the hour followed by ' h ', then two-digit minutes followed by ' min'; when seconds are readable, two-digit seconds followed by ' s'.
6 h 14 min
